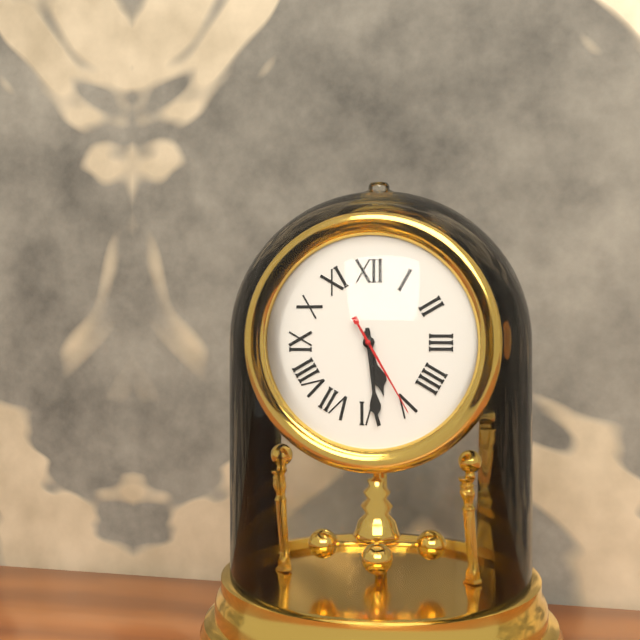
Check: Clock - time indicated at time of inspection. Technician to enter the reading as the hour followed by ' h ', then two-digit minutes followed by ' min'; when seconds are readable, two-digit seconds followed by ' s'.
5 h 29 min 25 s
